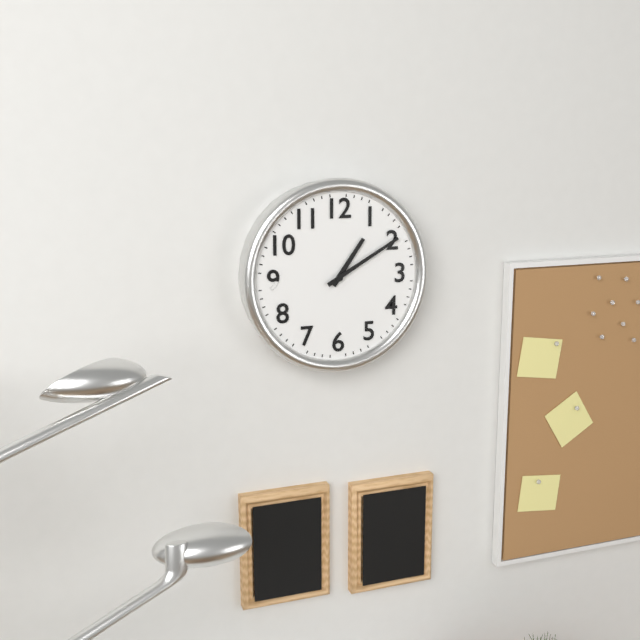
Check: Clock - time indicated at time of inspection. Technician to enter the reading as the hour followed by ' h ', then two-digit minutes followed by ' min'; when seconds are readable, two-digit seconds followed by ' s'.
1 h 10 min
